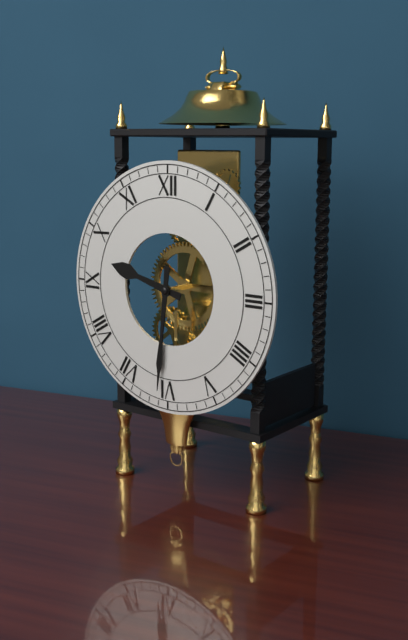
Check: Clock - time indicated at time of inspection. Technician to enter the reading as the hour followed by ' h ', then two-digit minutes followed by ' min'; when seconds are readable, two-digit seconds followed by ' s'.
9 h 31 min
